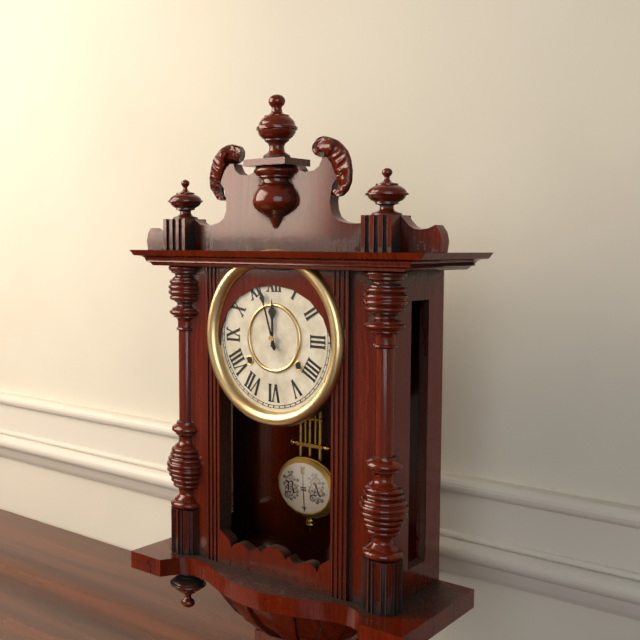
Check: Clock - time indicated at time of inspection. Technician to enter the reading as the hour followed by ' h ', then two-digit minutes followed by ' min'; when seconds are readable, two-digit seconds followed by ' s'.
11 h 57 min
